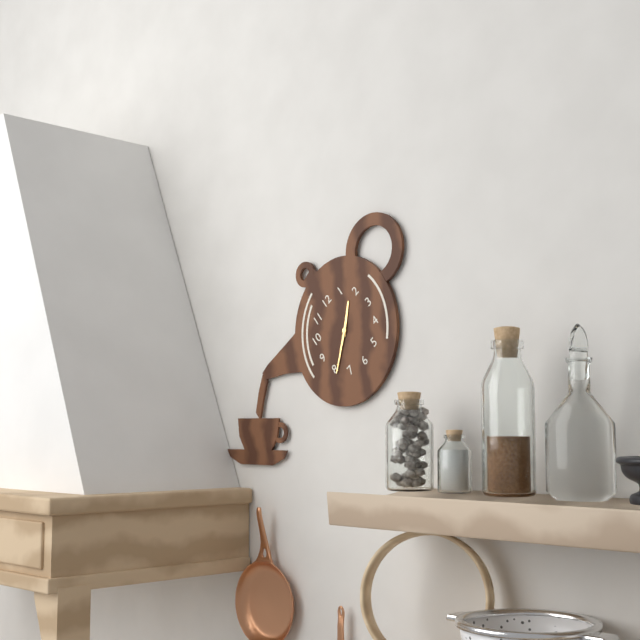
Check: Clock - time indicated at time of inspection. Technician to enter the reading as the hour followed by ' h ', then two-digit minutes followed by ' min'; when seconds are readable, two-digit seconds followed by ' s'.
1 h 39 min
